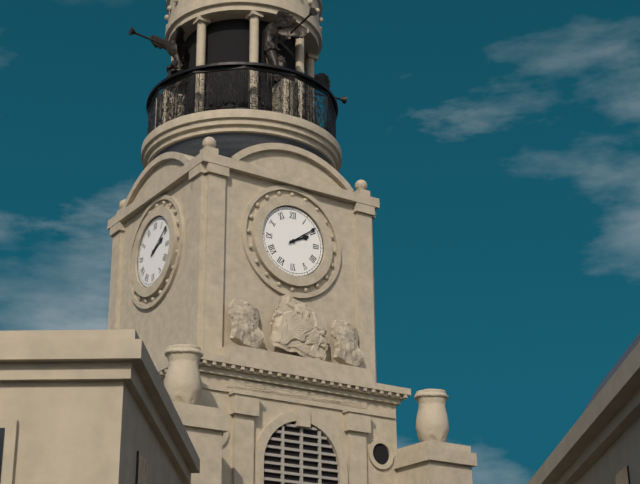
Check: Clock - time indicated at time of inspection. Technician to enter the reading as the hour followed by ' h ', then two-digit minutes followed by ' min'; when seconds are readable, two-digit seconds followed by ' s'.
2 h 09 min
